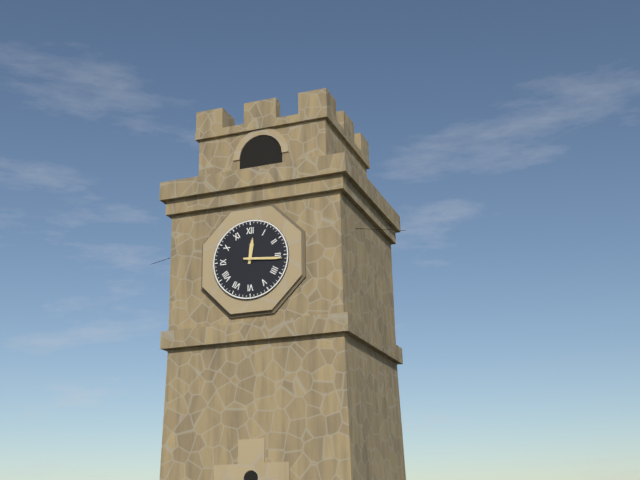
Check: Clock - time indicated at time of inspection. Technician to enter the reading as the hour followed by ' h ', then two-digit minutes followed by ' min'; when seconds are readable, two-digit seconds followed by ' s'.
12 h 16 min
